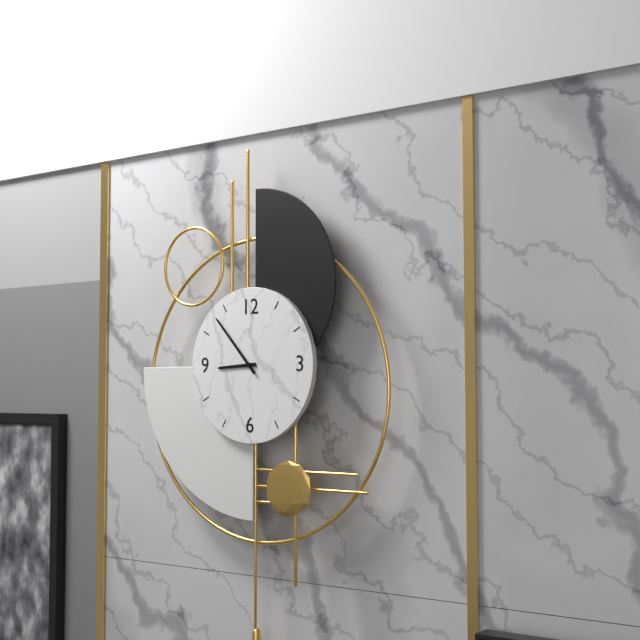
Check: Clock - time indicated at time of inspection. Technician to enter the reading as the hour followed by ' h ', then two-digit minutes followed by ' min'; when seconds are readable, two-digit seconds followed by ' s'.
8 h 53 min
